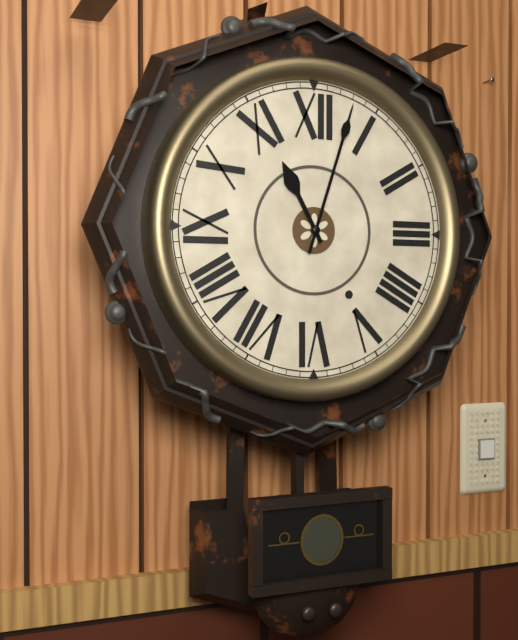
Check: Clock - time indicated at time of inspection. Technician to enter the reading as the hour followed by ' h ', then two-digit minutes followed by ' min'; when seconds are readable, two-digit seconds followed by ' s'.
11 h 03 min
